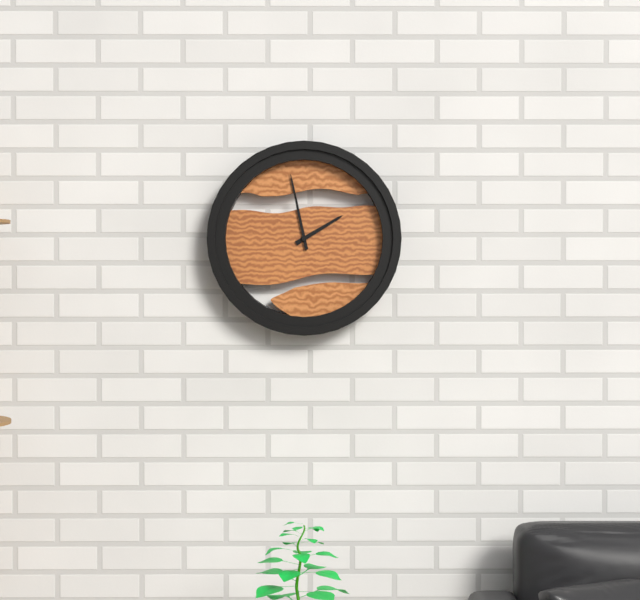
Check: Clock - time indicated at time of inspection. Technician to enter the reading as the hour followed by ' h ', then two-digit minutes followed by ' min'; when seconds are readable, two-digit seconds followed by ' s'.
1 h 58 min
